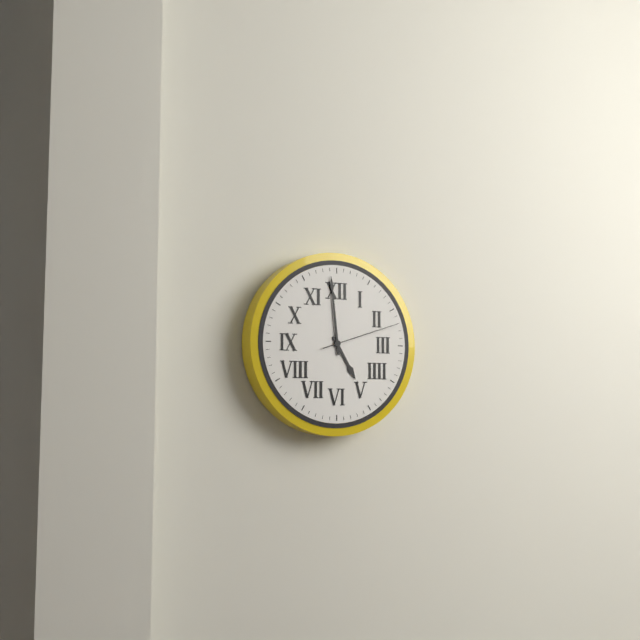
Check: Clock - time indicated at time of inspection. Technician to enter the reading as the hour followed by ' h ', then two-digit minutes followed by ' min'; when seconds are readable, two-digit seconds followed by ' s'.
4 h 59 min 12 s
